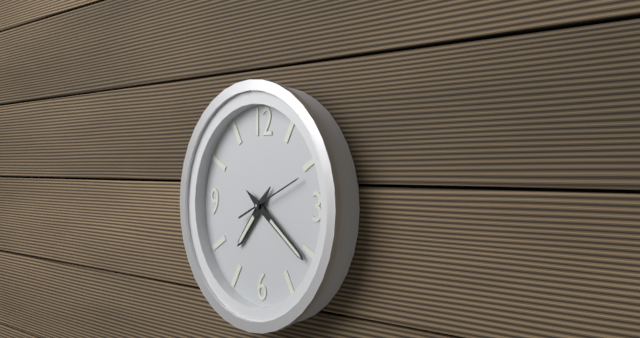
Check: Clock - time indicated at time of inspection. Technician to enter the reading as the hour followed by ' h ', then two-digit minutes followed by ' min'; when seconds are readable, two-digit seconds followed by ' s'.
7 h 21 min 11 s
